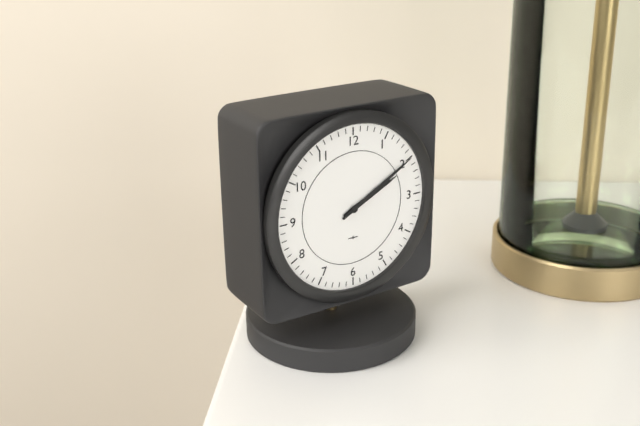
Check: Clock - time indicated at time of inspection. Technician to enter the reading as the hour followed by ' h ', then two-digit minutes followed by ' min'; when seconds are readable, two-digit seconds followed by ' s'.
2 h 10 min
